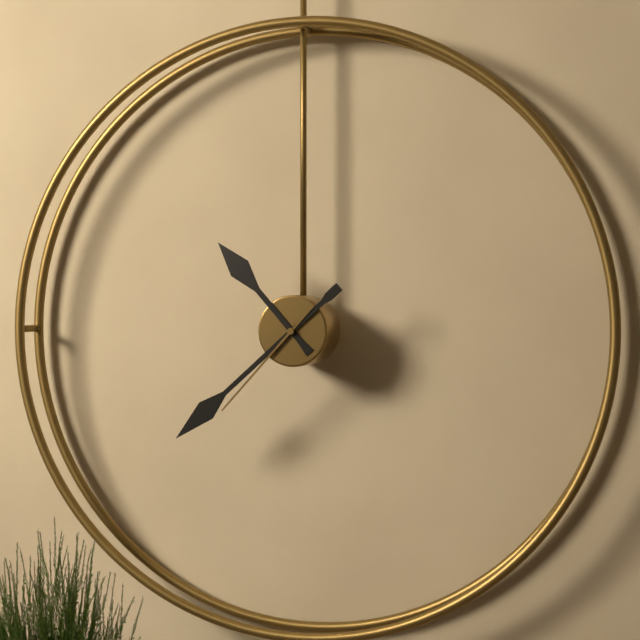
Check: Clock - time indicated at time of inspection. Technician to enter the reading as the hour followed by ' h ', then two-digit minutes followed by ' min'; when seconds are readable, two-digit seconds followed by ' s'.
10 h 38 min 37 s
